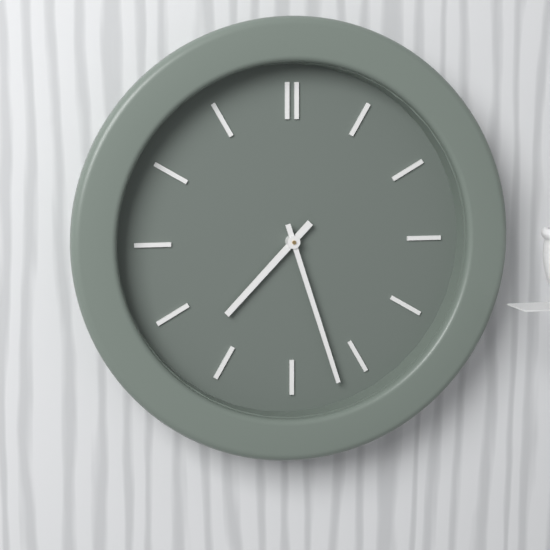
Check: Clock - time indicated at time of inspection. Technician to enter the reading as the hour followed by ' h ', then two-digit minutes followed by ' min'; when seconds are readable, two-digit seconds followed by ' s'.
7 h 27 min
